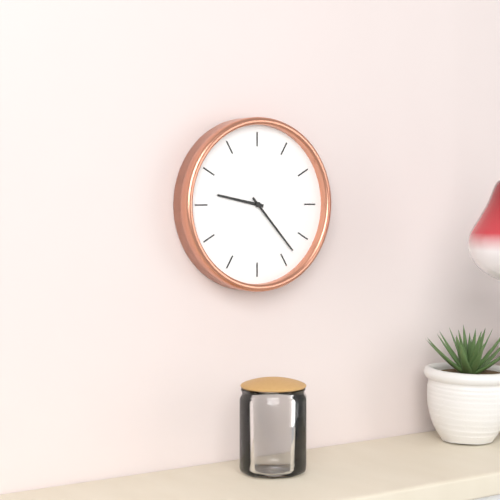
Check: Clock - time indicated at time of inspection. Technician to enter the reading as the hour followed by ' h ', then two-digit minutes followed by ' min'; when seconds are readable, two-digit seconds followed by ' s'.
9 h 23 min
